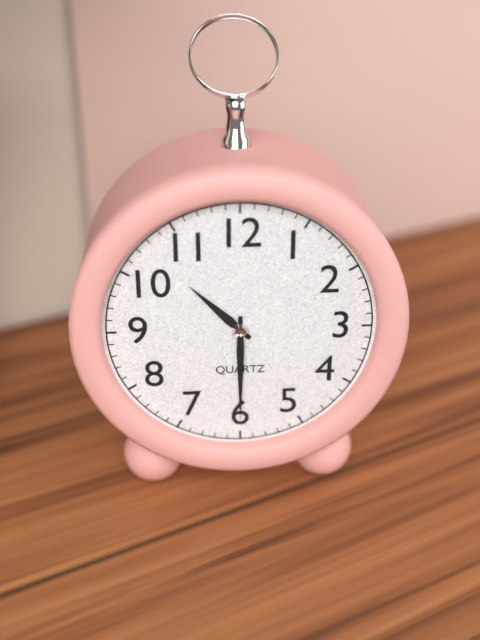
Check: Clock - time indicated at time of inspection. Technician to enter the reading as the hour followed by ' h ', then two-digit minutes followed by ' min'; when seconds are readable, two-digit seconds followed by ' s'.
10 h 30 min
